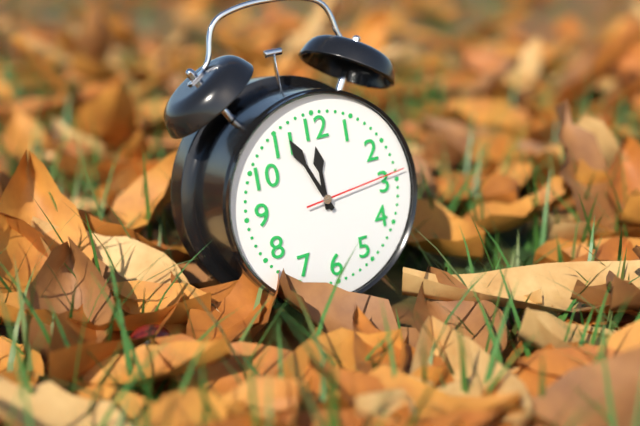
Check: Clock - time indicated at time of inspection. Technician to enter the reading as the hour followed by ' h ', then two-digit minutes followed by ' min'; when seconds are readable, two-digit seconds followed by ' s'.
11 h 56 min 14 s
